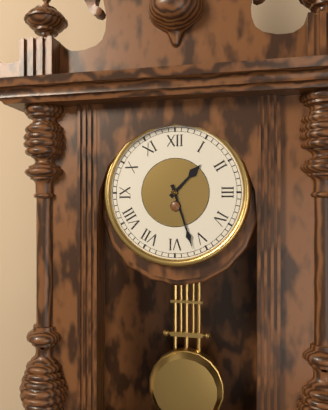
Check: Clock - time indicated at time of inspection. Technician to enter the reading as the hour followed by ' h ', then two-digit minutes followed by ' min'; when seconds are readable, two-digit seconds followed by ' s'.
1 h 27 min
